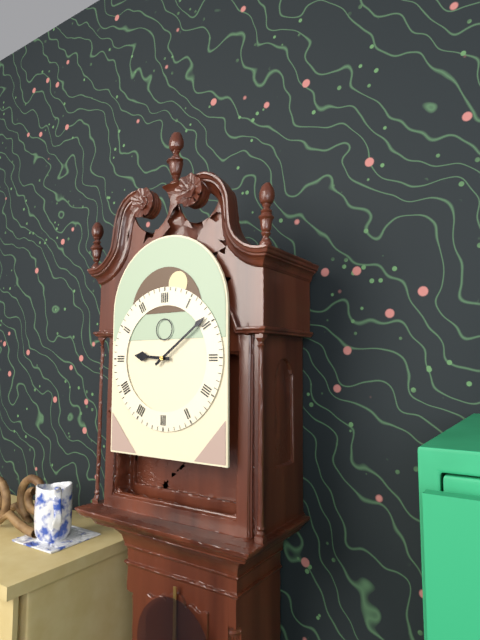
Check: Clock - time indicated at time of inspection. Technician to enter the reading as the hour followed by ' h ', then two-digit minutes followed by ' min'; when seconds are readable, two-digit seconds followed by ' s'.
9 h 09 min
